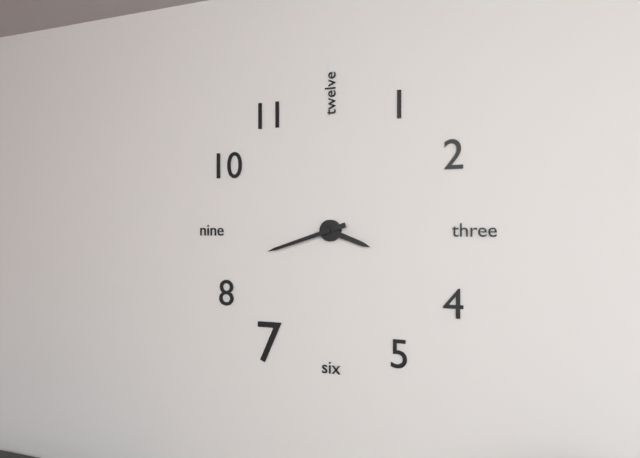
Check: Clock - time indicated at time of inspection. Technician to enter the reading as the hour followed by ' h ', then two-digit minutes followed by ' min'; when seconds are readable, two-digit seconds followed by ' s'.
3 h 42 min
